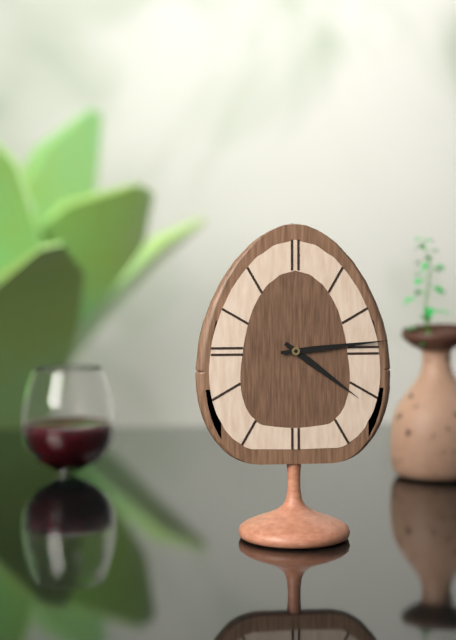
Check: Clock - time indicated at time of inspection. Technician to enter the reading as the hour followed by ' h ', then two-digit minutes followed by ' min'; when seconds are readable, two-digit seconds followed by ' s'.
4 h 14 min
